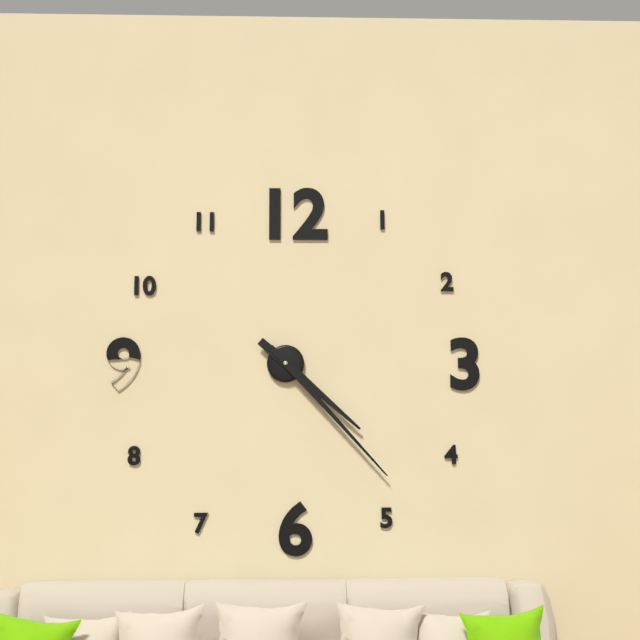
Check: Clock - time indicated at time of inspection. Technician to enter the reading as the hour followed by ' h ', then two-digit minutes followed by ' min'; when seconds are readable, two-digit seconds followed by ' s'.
4 h 23 min
